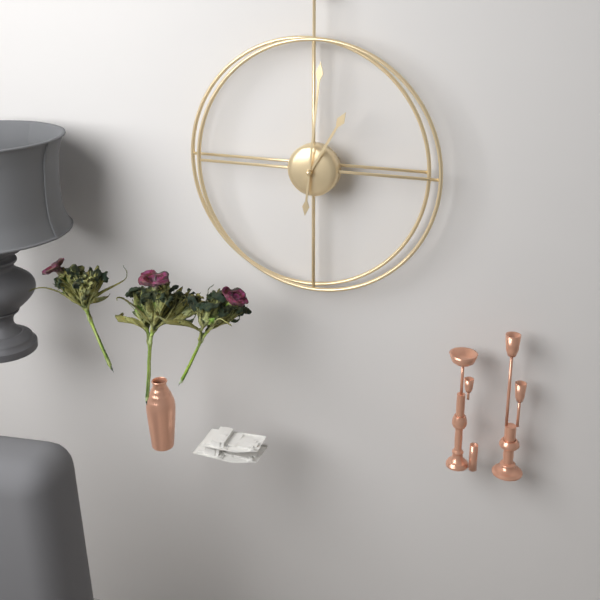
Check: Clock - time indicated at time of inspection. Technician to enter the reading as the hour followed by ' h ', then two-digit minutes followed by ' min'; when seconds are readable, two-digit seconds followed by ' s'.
1 h 01 min
